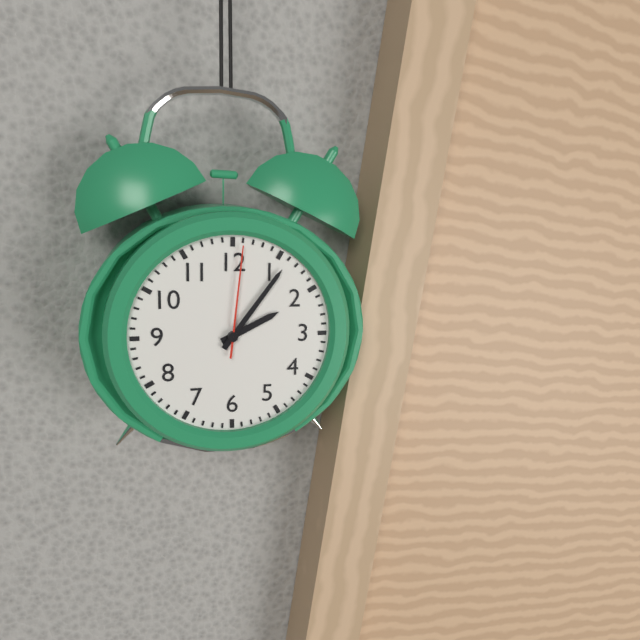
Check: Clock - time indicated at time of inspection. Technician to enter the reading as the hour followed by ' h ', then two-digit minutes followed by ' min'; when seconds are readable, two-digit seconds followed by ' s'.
2 h 06 min 01 s
